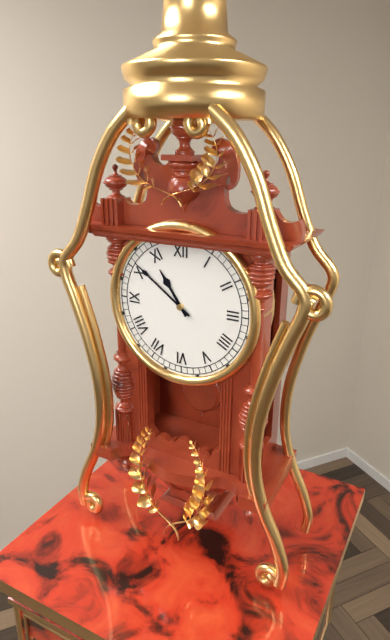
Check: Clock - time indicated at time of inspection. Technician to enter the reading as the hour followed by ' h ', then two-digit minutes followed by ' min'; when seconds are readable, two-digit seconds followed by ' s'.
10 h 51 min
